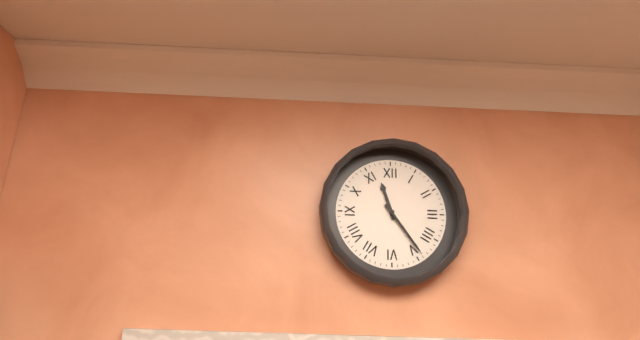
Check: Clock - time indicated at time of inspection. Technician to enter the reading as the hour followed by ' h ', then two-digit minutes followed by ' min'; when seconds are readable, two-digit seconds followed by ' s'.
11 h 24 min
